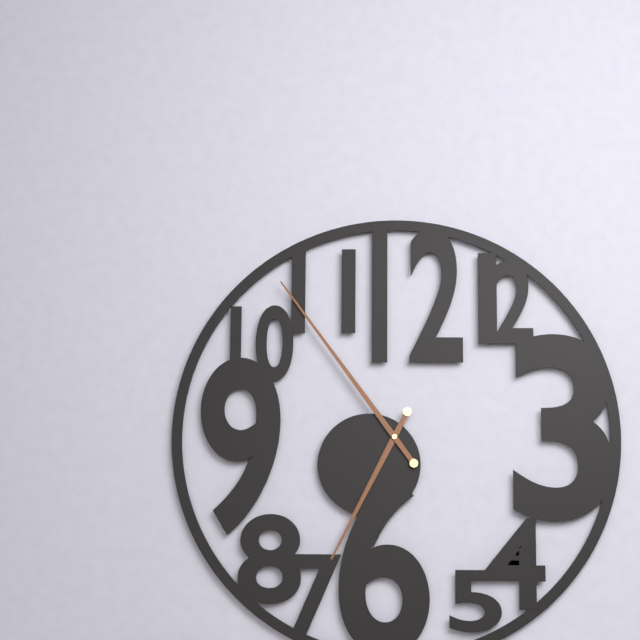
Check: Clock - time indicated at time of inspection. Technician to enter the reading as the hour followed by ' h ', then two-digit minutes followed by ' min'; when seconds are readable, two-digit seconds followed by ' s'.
6 h 54 min
